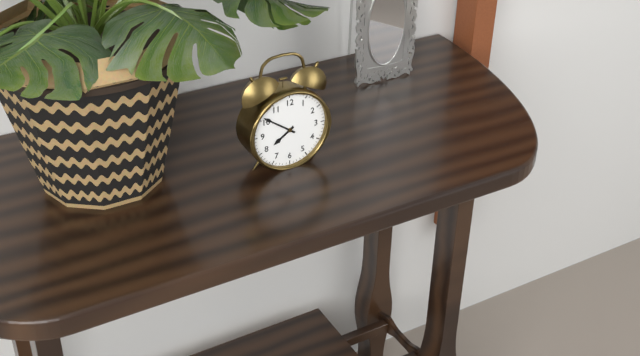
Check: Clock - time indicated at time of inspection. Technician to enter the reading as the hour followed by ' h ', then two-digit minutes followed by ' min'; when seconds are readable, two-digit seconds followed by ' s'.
7 h 51 min
